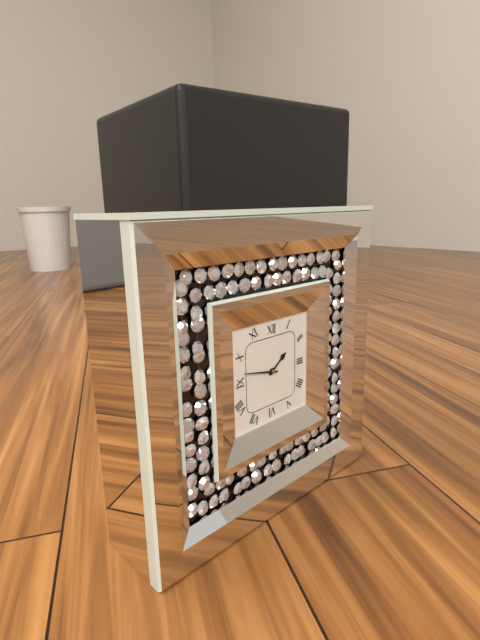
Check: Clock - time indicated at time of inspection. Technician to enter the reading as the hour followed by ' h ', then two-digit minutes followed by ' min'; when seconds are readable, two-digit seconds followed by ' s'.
1 h 47 min
